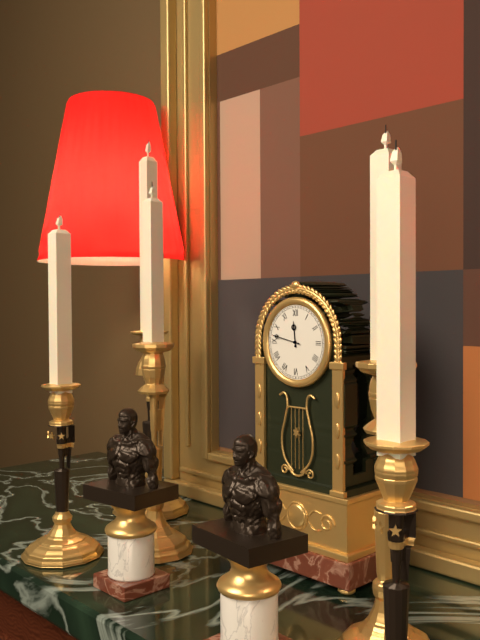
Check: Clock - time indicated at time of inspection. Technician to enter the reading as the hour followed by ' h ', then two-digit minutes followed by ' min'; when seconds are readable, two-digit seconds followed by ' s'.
11 h 47 min
